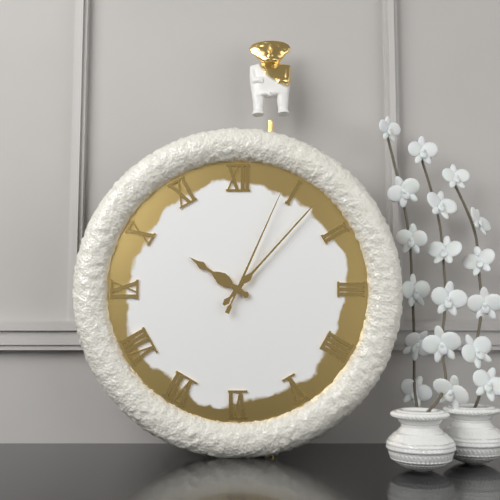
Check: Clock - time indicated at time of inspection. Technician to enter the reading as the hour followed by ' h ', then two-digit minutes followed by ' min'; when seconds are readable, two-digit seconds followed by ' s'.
10 h 07 min 04 s
